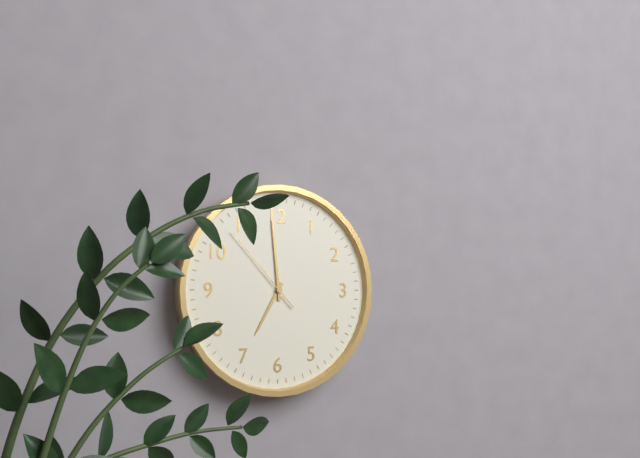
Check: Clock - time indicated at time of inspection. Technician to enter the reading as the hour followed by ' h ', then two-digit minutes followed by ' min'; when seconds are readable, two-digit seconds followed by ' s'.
6 h 59 min 53 s
